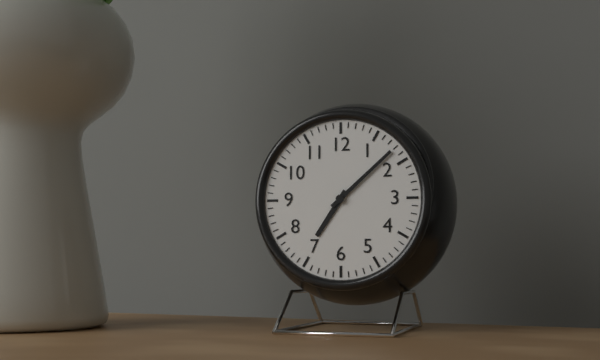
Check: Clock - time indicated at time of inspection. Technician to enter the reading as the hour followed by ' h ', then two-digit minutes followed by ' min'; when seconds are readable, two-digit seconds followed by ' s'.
7 h 08 min
